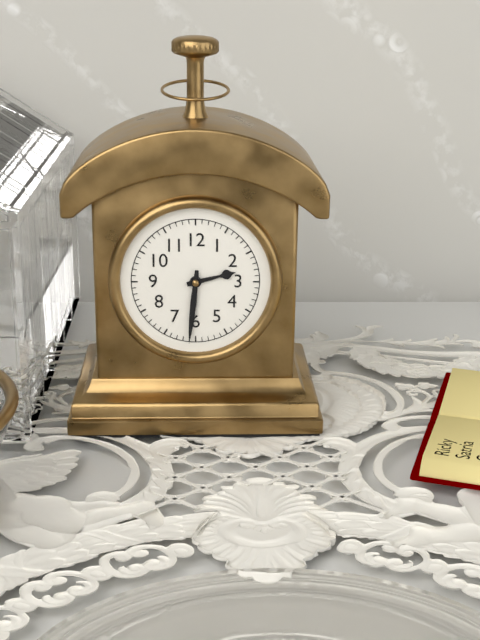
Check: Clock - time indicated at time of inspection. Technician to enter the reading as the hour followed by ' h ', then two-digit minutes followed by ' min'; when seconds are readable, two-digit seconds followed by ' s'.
2 h 31 min
